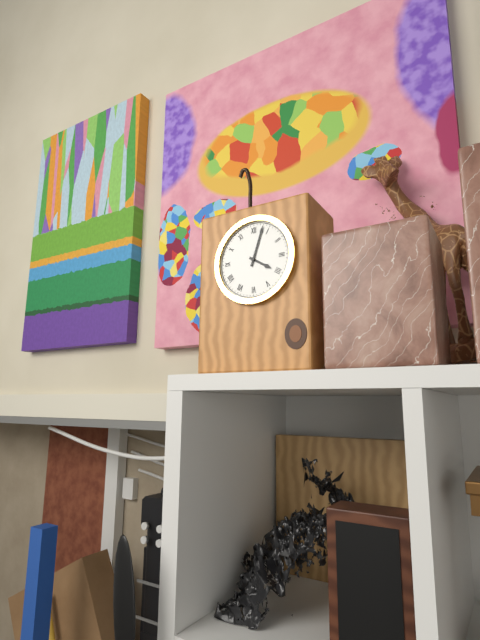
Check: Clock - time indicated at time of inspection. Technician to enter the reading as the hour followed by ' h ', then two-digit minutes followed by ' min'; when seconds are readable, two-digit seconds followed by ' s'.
4 h 03 min
